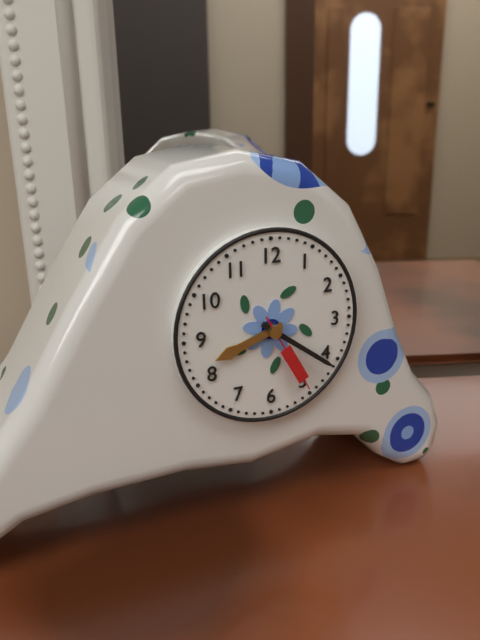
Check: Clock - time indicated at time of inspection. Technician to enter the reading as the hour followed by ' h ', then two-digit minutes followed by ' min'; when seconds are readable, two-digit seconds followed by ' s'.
8 h 21 min 25 s
